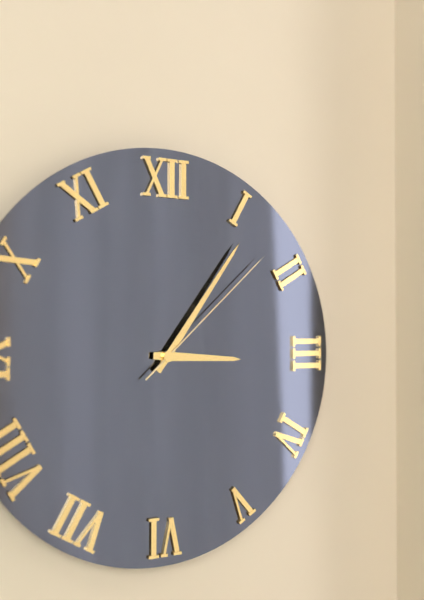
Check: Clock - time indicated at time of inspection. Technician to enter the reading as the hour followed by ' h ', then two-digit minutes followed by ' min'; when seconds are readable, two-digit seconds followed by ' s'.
3 h 06 min 08 s
